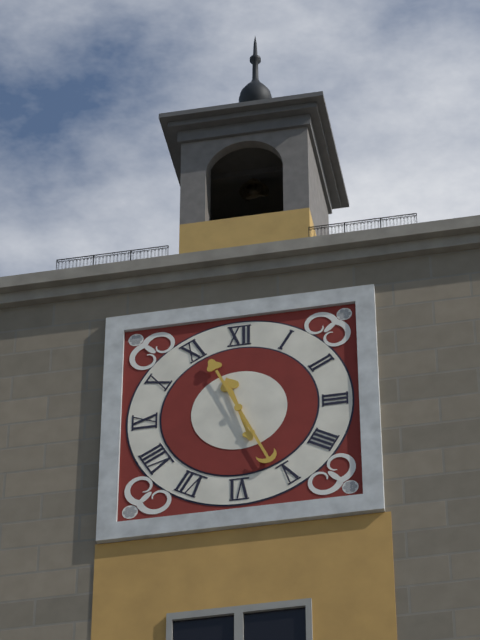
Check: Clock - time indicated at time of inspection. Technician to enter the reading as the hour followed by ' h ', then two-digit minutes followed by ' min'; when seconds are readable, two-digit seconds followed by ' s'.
11 h 26 min
